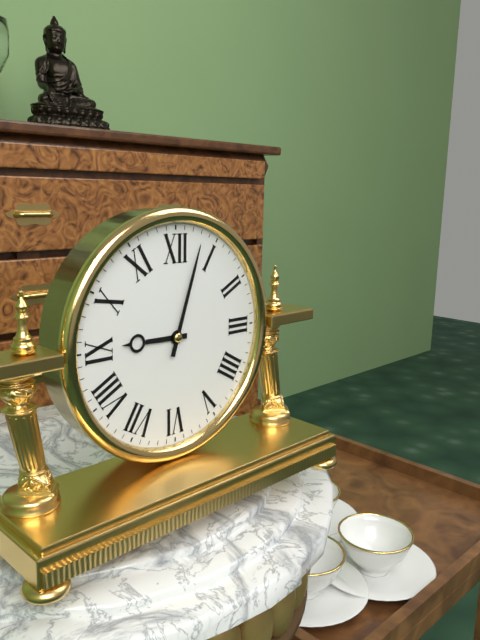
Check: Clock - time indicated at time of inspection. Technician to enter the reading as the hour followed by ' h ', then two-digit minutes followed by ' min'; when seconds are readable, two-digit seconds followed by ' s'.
9 h 03 min
